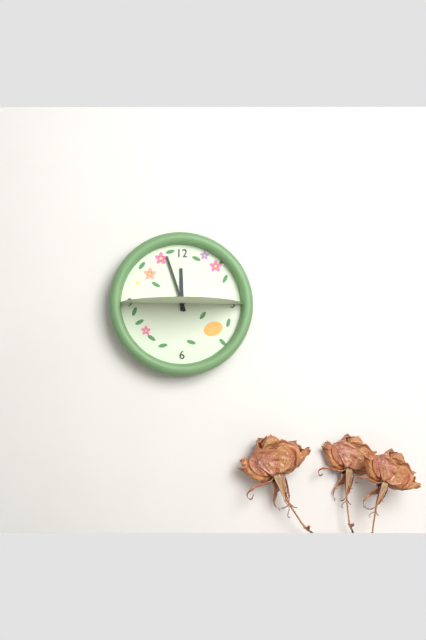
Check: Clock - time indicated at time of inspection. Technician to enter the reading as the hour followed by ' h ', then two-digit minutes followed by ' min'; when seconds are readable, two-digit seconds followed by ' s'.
11 h 57 min
